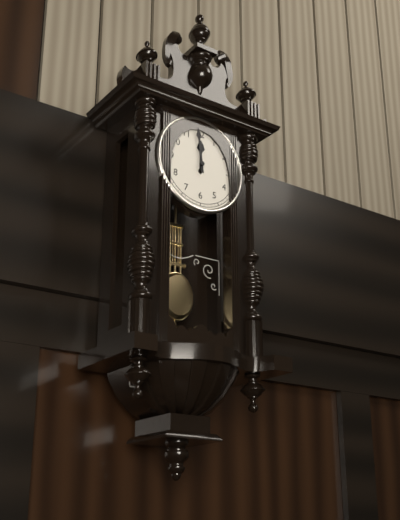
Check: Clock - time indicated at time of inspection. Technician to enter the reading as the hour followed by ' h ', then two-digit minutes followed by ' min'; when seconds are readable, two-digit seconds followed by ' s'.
11 h 59 min
